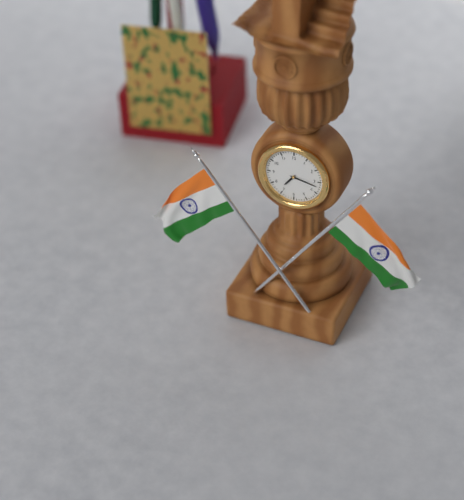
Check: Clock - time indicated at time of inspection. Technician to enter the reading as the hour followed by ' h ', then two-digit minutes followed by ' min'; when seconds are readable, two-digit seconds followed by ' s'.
7 h 17 min
